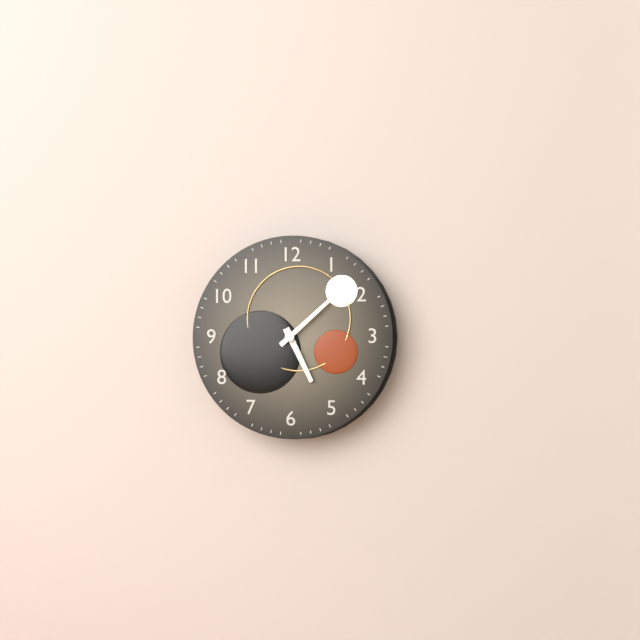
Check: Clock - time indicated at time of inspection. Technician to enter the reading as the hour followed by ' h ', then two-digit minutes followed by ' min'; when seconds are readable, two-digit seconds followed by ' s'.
5 h 08 min
